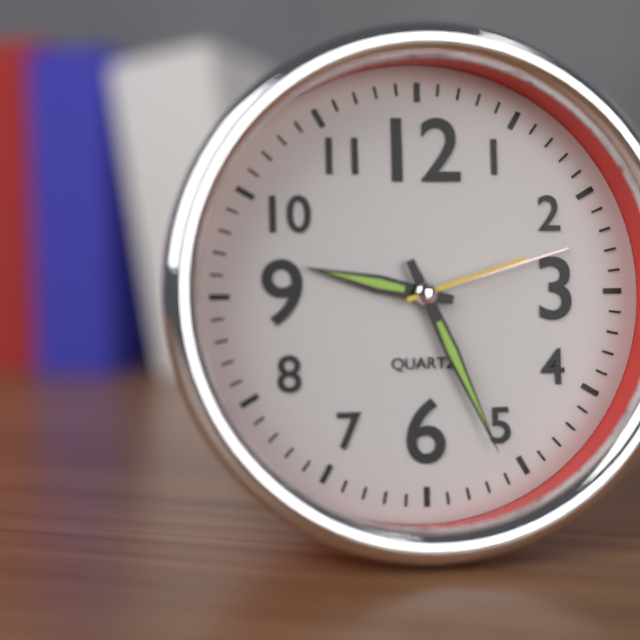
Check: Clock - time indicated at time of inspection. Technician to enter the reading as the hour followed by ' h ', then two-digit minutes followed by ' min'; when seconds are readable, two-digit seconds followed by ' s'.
9 h 26 min 12 s
